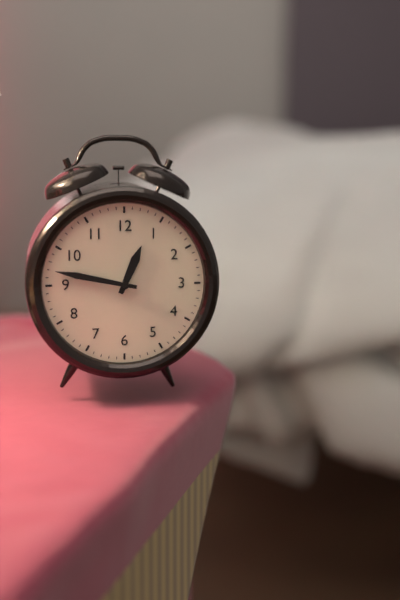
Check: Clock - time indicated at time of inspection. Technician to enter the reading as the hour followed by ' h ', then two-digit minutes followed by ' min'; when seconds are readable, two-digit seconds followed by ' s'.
12 h 47 min
